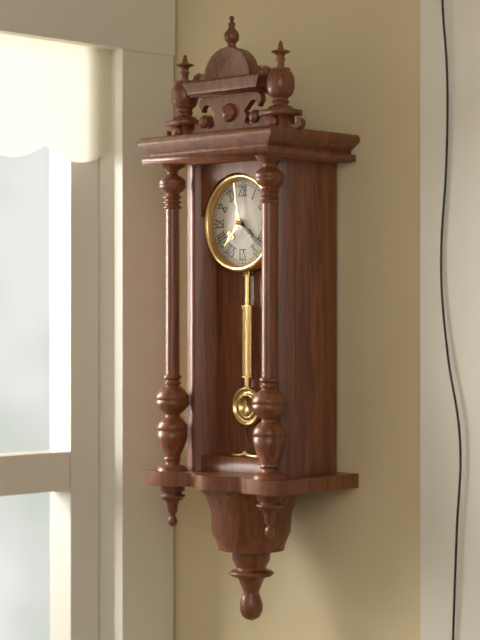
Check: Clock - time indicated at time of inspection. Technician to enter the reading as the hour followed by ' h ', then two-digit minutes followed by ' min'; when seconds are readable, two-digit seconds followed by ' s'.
4 h 22 min
